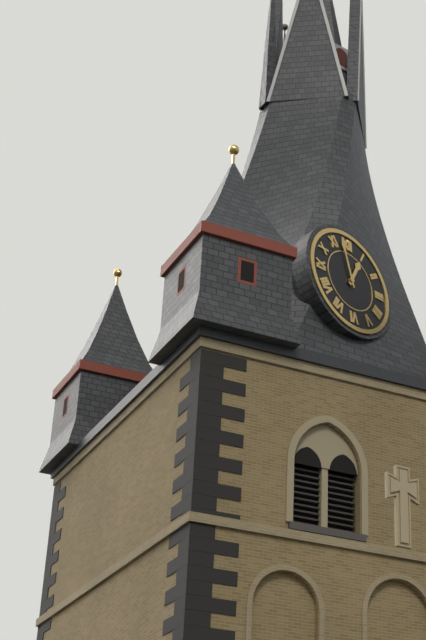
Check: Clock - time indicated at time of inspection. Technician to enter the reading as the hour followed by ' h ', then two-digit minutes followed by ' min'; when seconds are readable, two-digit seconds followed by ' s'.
12 h 58 min
